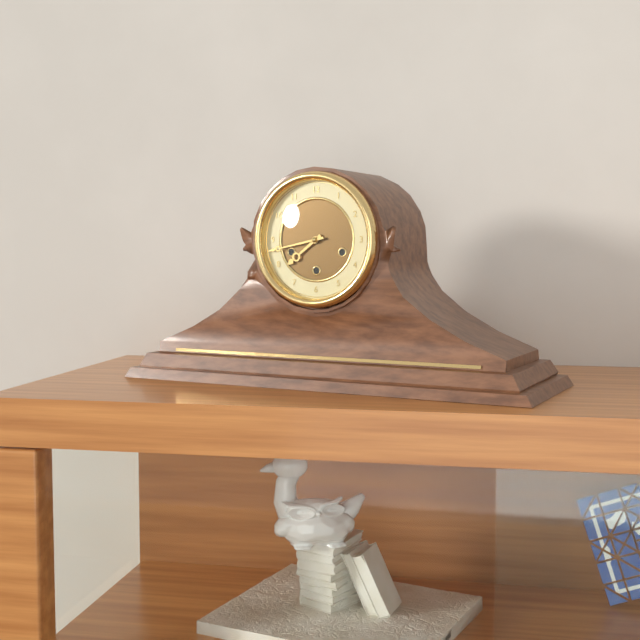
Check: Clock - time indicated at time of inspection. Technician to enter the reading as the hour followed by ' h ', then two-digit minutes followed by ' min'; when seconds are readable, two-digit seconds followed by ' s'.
7 h 43 min
